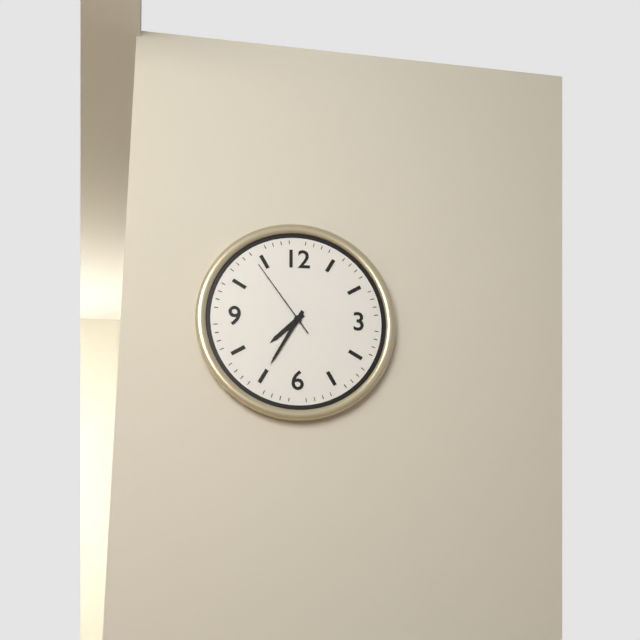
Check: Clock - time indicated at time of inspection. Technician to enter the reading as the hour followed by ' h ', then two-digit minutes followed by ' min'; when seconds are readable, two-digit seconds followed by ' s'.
7 h 35 min 54 s
